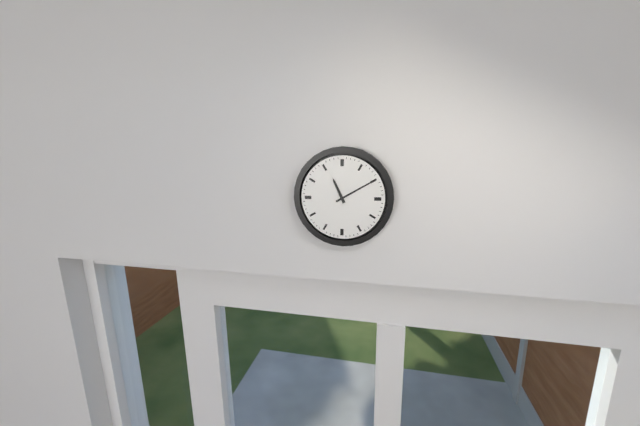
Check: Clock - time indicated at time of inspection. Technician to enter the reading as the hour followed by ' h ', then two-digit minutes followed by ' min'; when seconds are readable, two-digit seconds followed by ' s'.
11 h 10 min
